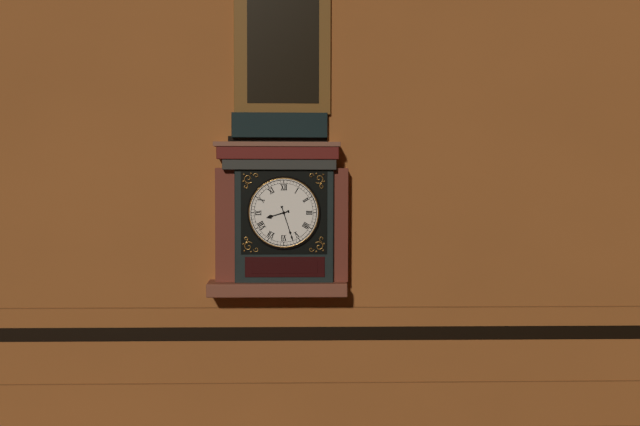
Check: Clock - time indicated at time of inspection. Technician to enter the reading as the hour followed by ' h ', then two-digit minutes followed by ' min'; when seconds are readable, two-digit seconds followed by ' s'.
8 h 27 min
